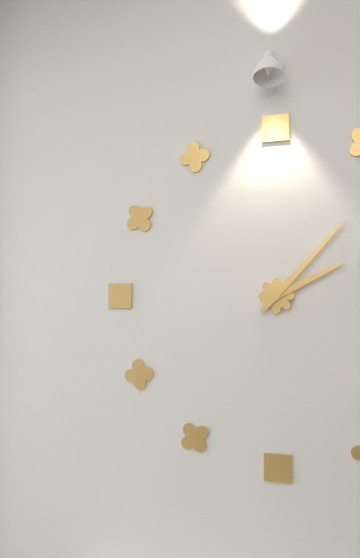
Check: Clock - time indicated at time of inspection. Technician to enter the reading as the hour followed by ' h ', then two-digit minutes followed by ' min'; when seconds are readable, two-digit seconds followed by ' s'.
2 h 07 min
